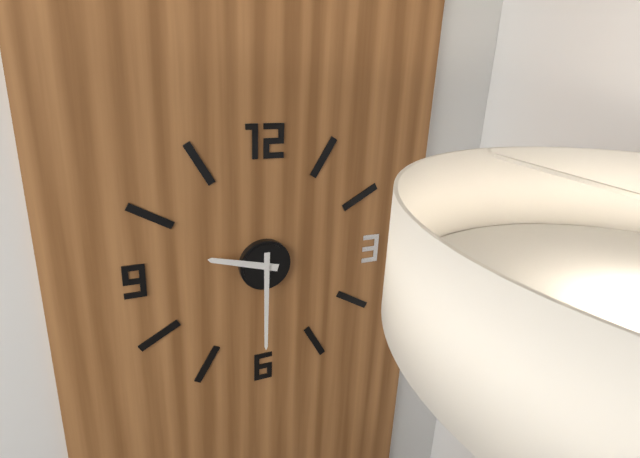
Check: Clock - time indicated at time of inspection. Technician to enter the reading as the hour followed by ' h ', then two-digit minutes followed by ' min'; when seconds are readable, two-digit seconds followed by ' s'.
9 h 30 min
